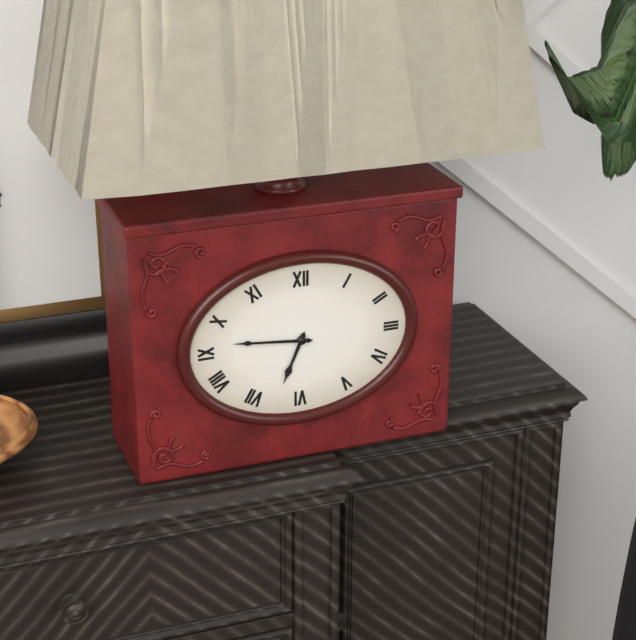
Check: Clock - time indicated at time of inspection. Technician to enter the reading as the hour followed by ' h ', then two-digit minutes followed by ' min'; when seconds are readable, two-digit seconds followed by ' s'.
6 h 46 min
